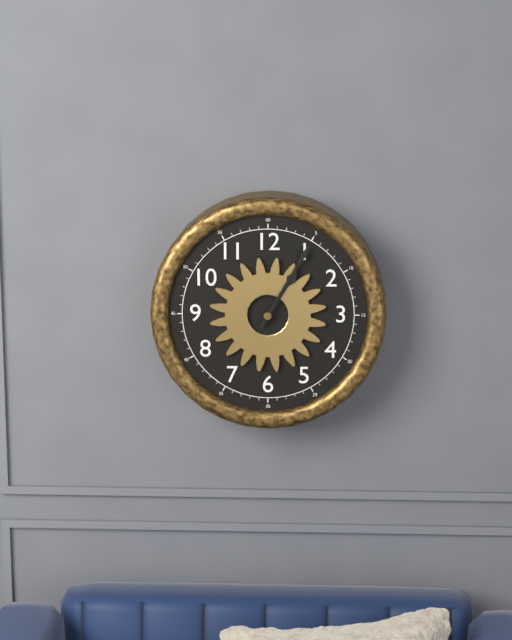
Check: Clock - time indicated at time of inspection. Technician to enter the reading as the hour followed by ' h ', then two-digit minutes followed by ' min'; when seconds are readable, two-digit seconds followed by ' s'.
1 h 05 min
